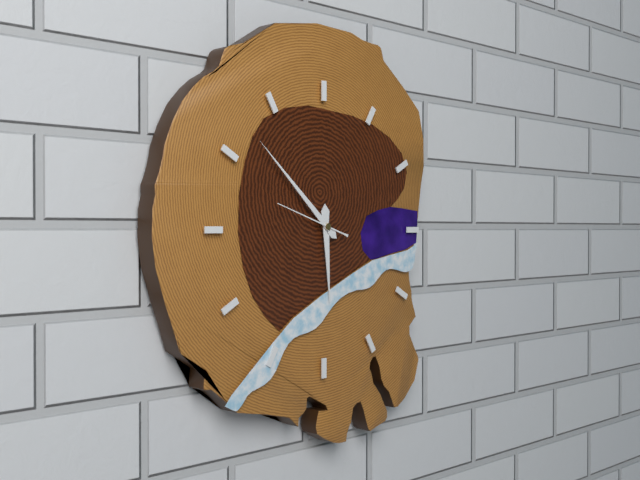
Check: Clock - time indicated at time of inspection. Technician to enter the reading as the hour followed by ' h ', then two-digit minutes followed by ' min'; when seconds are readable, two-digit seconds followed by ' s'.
5 h 52 min 48 s
